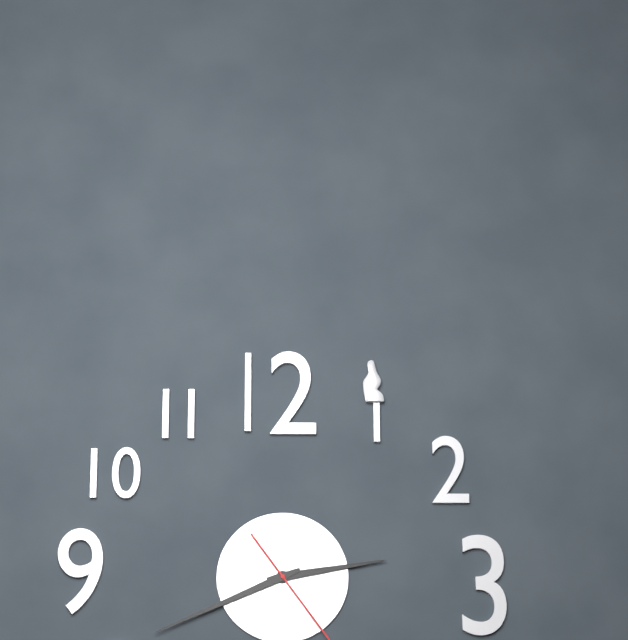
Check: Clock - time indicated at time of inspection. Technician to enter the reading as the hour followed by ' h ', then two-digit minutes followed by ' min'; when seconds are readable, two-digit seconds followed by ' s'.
2 h 41 min
